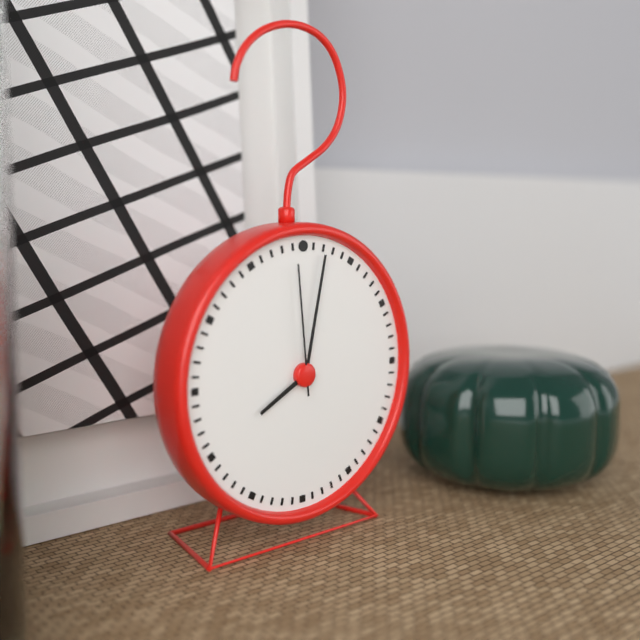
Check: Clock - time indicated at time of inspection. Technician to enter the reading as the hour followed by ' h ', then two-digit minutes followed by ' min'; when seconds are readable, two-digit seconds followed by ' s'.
8 h 02 min 59 s
